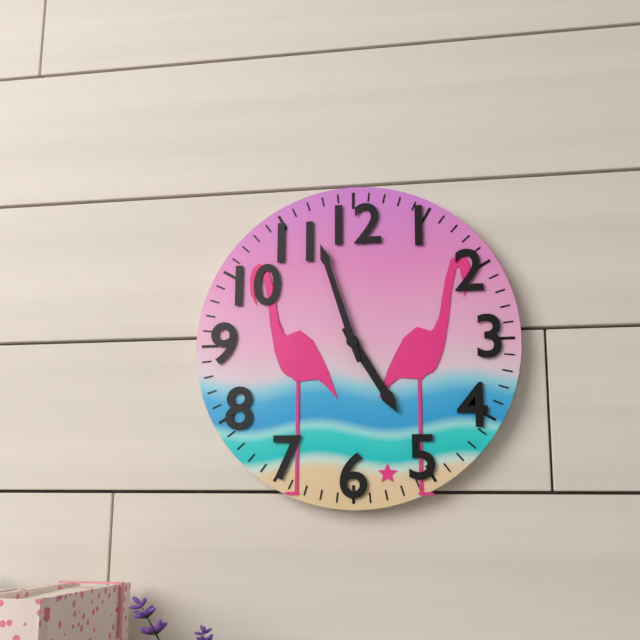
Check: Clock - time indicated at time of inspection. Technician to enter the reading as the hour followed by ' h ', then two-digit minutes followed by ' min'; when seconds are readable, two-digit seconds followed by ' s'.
4 h 57 min
